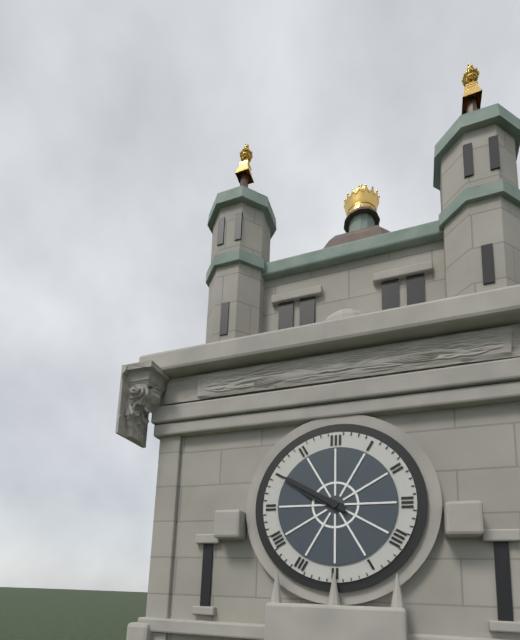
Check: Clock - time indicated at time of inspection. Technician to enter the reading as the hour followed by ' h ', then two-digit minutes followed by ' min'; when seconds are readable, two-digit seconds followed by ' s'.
9 h 50 min
